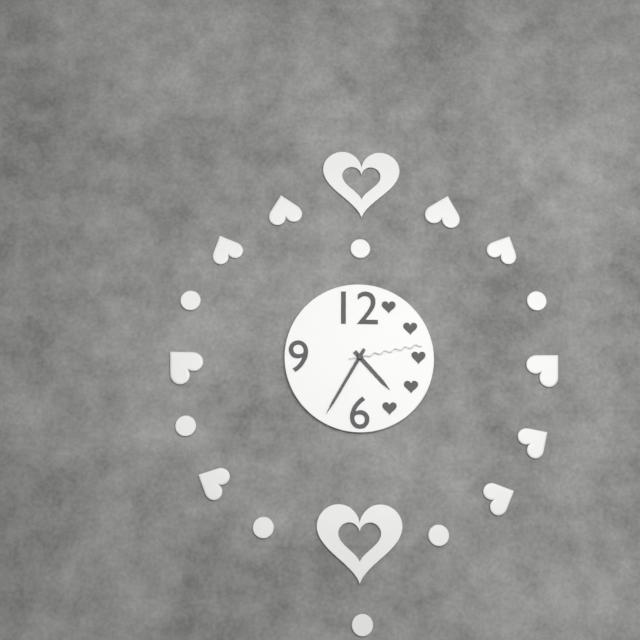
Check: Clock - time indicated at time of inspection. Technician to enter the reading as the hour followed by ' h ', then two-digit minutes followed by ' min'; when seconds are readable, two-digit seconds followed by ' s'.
4 h 35 min 13 s
